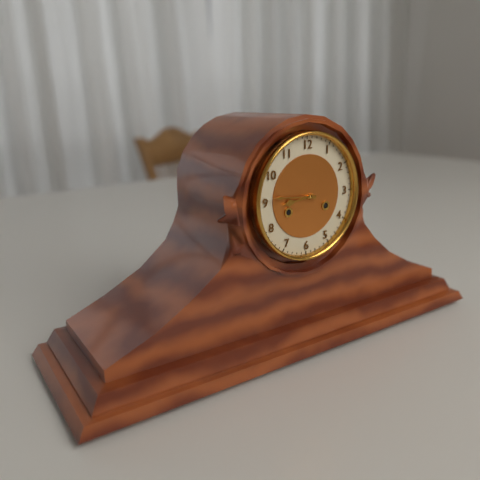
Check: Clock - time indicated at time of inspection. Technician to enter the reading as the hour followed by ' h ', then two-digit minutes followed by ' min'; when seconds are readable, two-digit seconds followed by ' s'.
8 h 46 min
